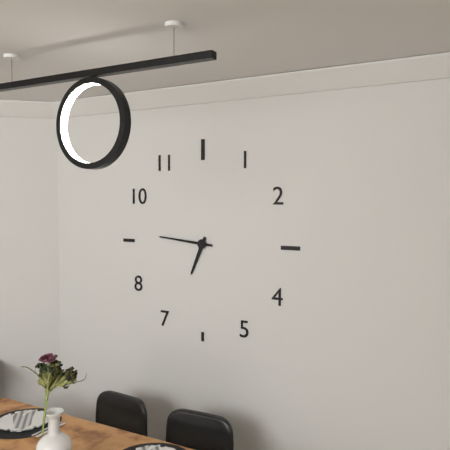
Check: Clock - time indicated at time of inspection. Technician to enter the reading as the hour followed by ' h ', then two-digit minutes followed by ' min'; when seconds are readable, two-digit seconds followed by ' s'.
6 h 46 min
